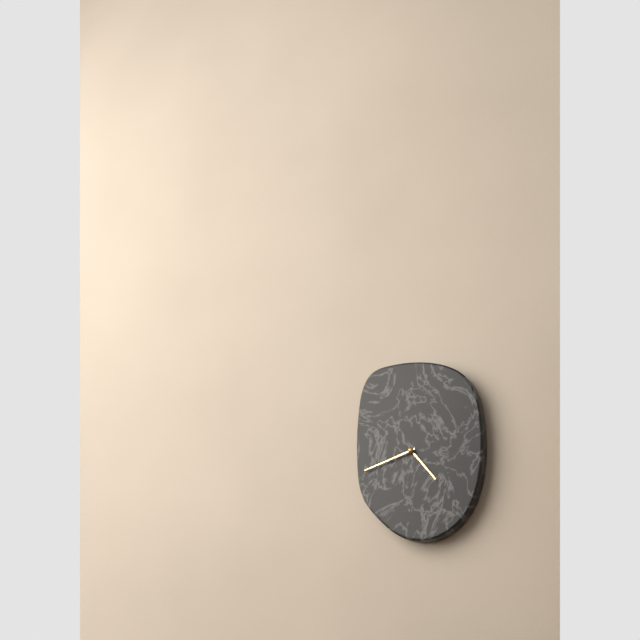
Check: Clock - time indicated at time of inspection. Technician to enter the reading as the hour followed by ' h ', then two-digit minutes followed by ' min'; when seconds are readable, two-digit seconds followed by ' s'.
4 h 42 min
